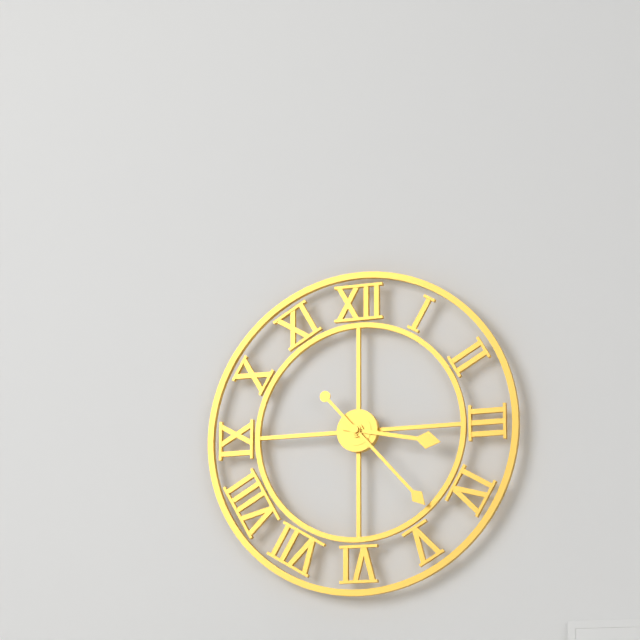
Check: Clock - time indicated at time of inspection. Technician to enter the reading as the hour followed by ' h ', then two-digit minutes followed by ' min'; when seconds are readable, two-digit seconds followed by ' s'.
3 h 23 min
